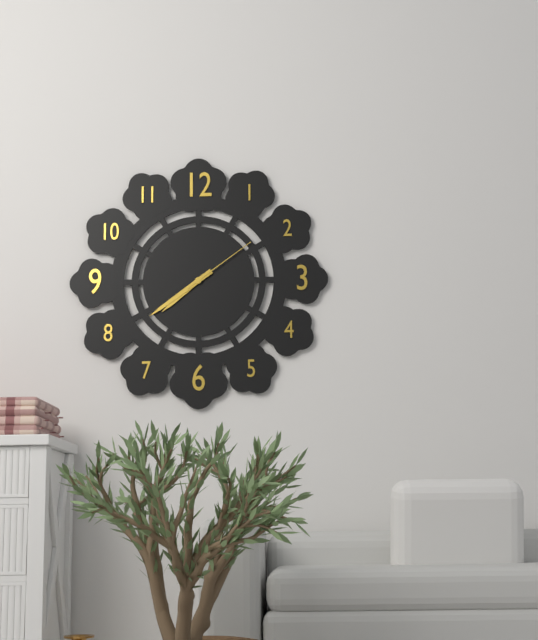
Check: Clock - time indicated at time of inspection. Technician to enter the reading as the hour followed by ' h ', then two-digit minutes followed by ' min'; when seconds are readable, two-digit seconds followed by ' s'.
7 h 39 min 09 s
